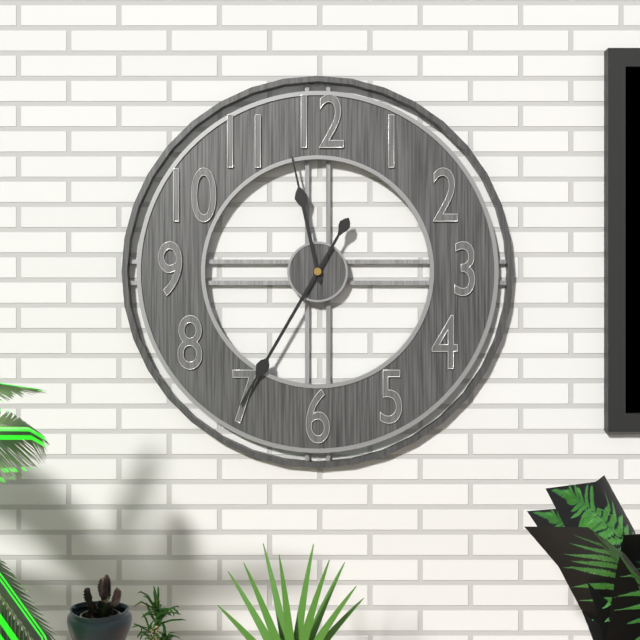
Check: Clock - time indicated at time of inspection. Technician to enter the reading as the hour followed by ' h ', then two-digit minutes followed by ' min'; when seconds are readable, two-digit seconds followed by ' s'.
11 h 35 min
